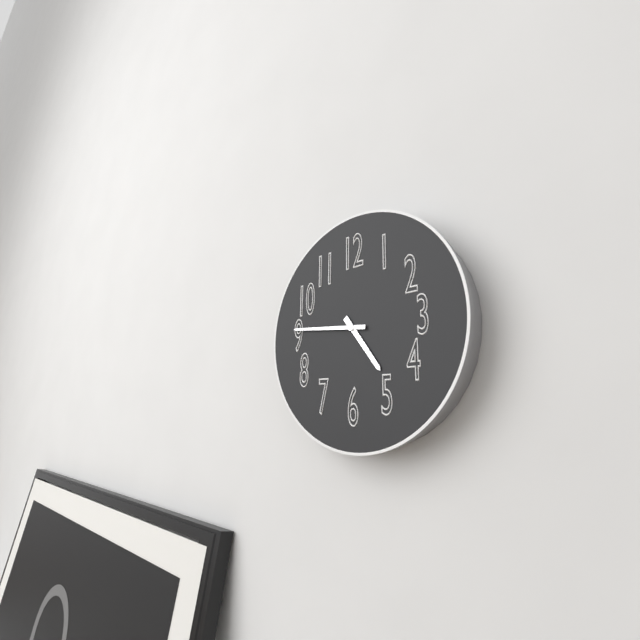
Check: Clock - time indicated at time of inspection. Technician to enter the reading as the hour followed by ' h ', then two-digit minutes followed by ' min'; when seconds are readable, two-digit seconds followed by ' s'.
4 h 46 min
